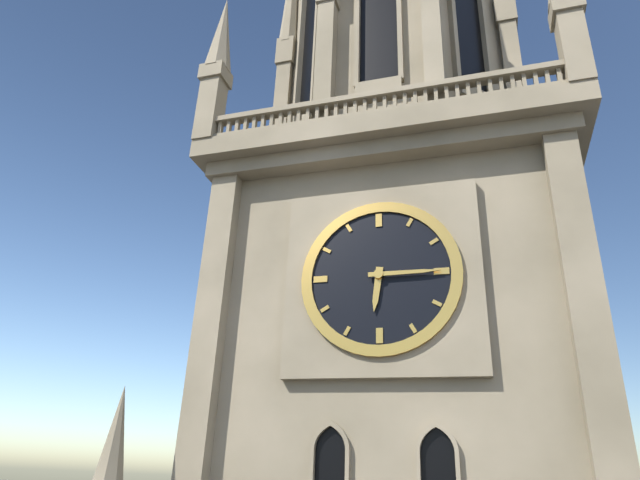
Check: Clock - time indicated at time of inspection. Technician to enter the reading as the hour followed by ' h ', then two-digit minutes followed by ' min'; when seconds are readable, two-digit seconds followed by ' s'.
6 h 15 min
